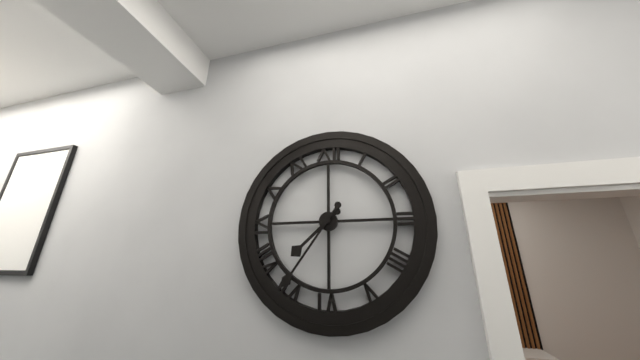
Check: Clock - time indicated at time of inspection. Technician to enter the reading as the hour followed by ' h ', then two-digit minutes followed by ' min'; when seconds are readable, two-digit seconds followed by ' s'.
7 h 36 min
